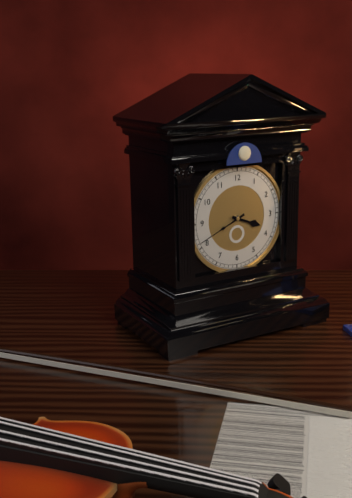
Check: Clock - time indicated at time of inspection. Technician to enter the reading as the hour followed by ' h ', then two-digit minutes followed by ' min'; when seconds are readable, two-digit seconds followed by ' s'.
3 h 41 min
